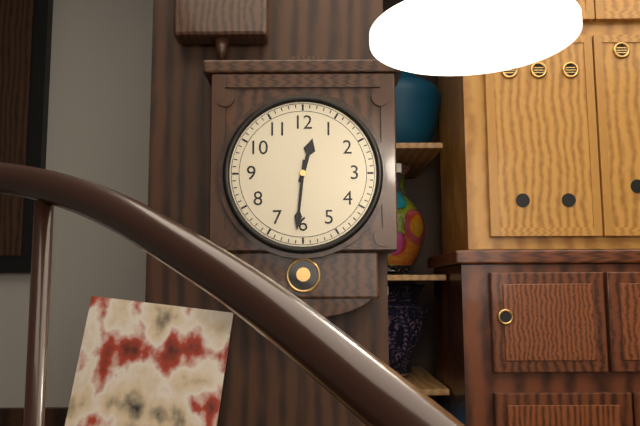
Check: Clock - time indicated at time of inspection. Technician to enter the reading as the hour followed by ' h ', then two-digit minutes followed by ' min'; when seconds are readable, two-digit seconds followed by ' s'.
12 h 31 min
